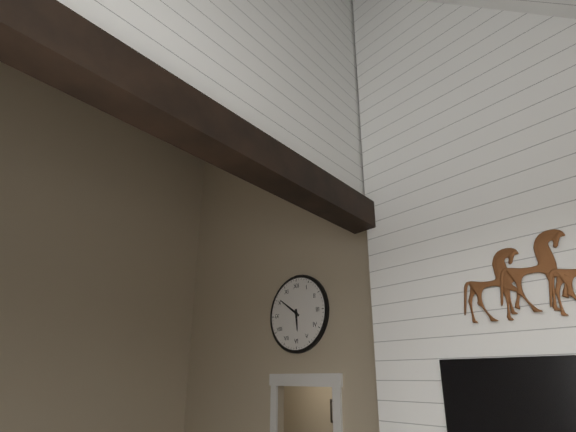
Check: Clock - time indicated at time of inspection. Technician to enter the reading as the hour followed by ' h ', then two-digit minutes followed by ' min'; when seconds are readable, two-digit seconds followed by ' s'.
5 h 51 min
